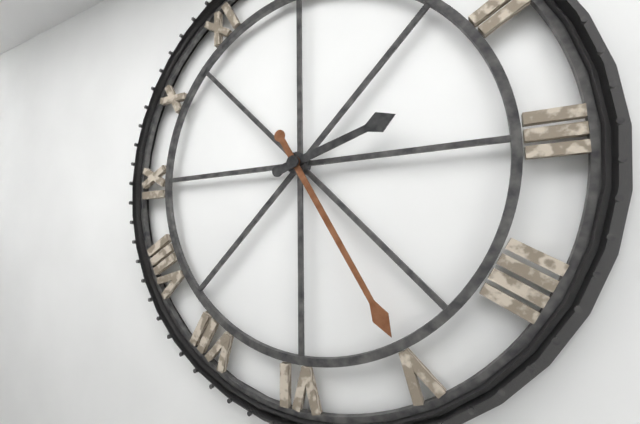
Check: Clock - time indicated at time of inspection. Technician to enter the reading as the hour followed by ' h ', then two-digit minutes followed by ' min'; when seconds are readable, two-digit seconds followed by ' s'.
2 h 25 min
